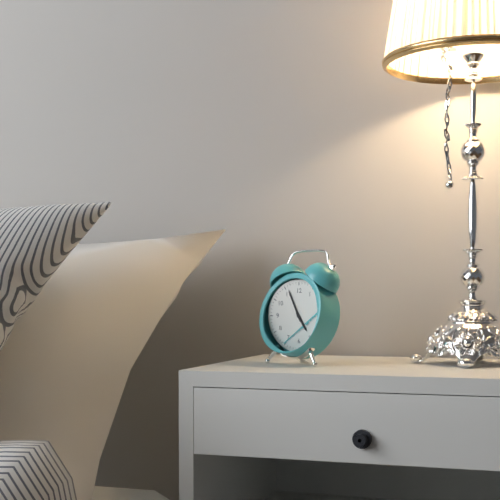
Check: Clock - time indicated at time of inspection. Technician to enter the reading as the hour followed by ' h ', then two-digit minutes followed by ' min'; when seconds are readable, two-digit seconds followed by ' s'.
4 h 56 min
